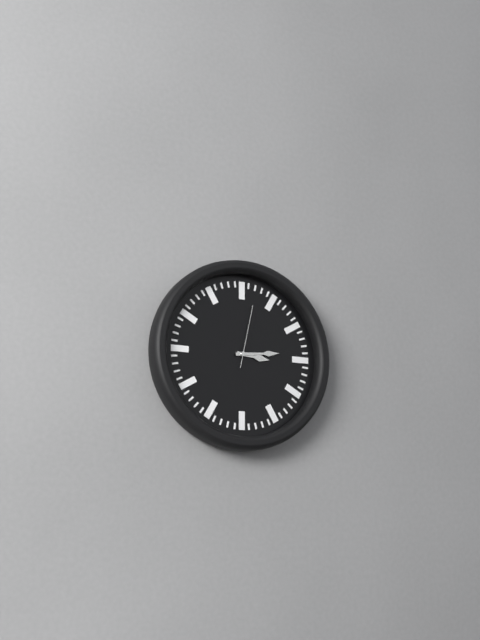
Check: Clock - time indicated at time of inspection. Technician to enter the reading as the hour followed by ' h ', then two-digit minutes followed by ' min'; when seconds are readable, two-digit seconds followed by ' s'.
3 h 14 min 02 s
